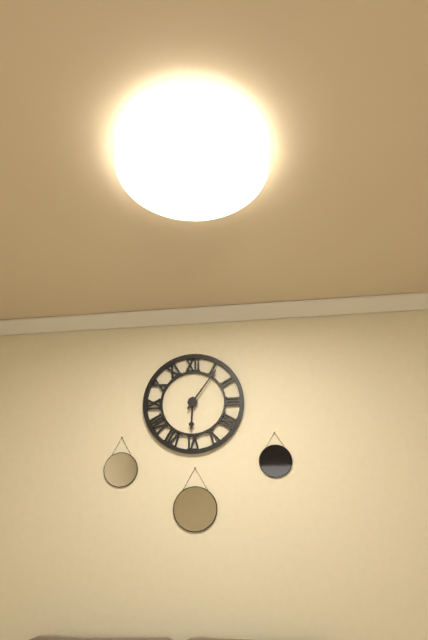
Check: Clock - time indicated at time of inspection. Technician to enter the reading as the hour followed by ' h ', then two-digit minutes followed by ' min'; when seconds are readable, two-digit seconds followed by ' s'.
6 h 06 min
